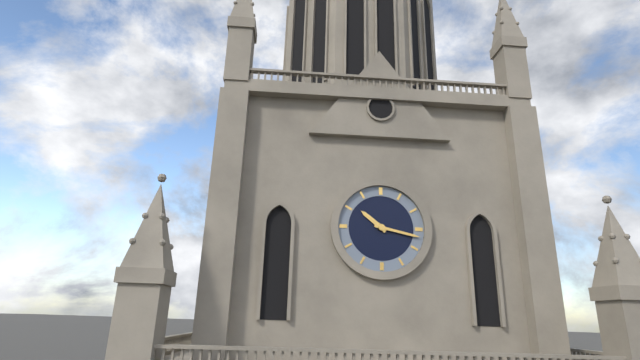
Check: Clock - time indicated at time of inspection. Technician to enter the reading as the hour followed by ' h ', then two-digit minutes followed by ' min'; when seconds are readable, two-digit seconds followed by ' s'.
10 h 17 min
